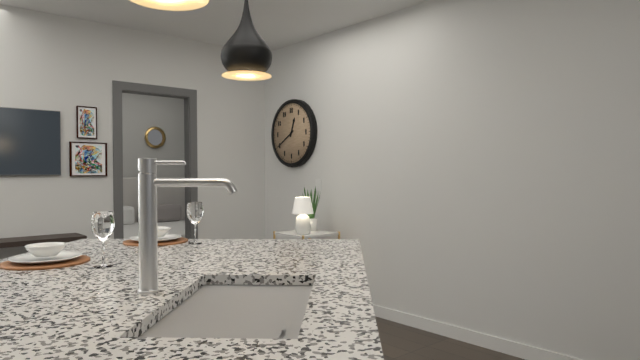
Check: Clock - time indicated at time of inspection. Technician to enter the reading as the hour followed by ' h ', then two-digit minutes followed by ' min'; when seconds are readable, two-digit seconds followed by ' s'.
12 h 40 min
